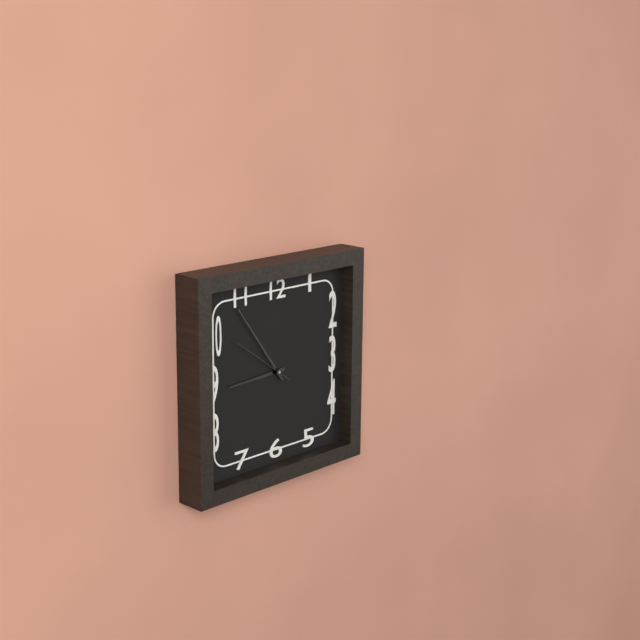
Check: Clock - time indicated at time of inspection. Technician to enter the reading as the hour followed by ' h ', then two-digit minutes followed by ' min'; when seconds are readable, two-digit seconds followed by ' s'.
8 h 54 min 51 s
